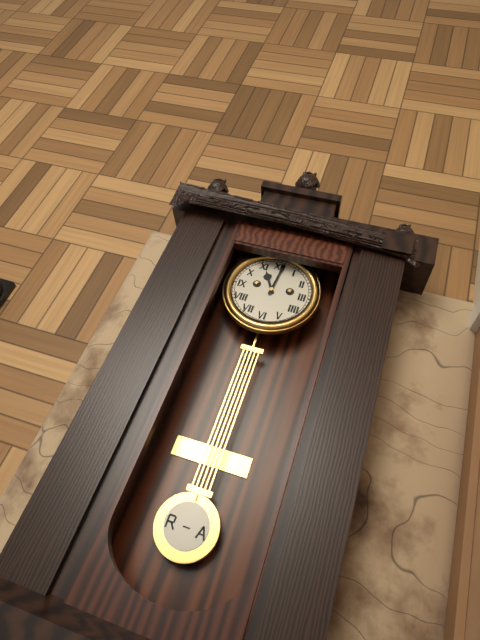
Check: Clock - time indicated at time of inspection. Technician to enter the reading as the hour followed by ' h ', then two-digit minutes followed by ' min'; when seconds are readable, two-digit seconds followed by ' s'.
11 h 01 min
